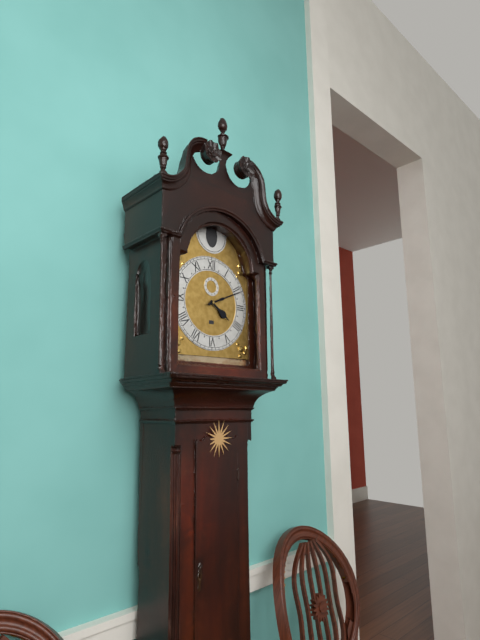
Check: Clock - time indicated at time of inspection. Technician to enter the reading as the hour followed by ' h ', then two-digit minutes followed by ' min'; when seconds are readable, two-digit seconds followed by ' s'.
4 h 11 min
